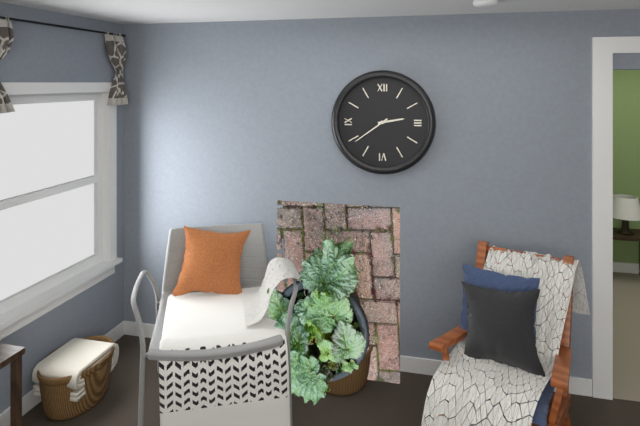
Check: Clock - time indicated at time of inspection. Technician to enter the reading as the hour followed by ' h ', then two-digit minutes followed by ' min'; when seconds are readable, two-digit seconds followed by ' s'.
2 h 39 min
